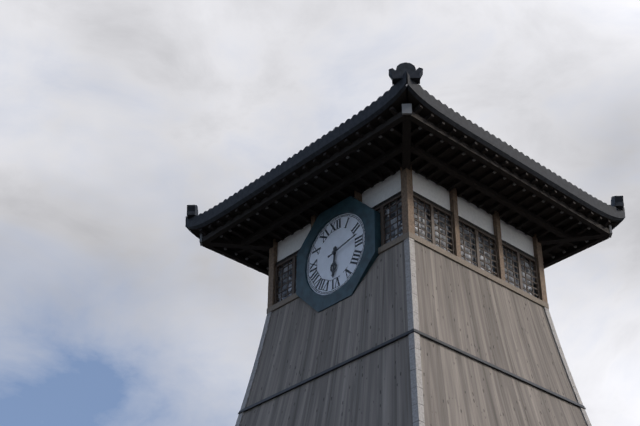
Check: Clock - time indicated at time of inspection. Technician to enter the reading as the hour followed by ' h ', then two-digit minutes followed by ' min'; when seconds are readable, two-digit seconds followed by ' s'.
6 h 13 min
